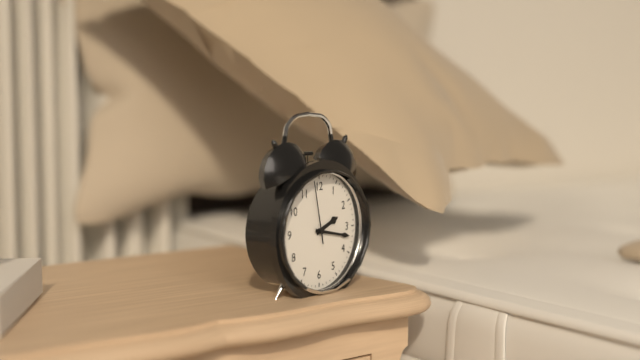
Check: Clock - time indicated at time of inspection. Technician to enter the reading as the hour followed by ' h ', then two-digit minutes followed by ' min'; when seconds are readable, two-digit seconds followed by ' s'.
2 h 17 min 58 s
